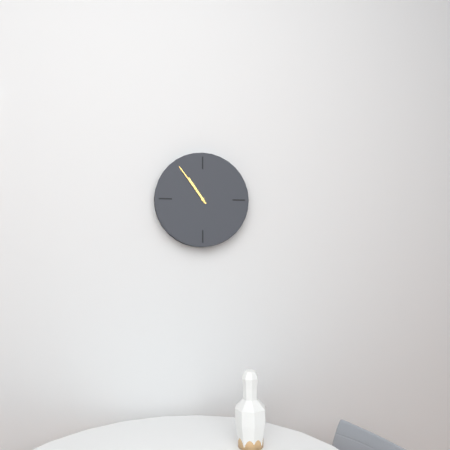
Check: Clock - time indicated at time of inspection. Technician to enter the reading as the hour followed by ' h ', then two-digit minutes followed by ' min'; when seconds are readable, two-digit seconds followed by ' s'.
10 h 54 min
